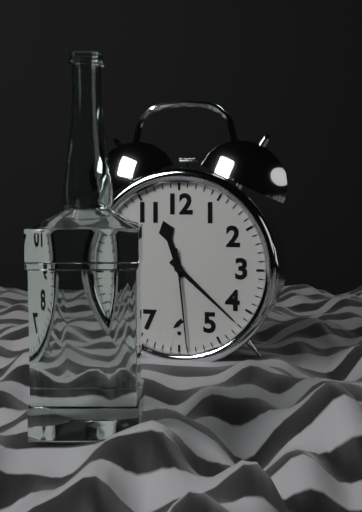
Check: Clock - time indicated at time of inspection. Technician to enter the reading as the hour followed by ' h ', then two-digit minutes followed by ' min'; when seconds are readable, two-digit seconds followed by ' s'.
11 h 22 min 29 s
